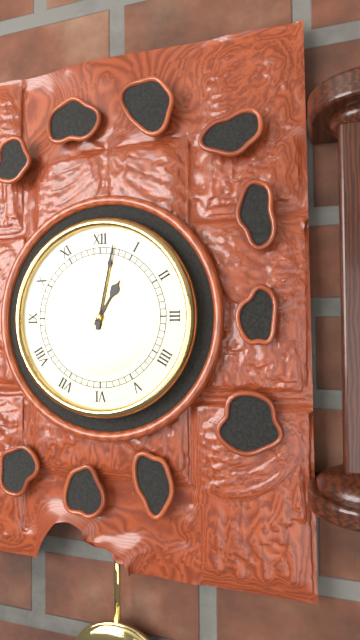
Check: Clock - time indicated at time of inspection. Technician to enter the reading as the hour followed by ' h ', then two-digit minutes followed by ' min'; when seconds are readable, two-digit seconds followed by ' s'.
1 h 02 min
